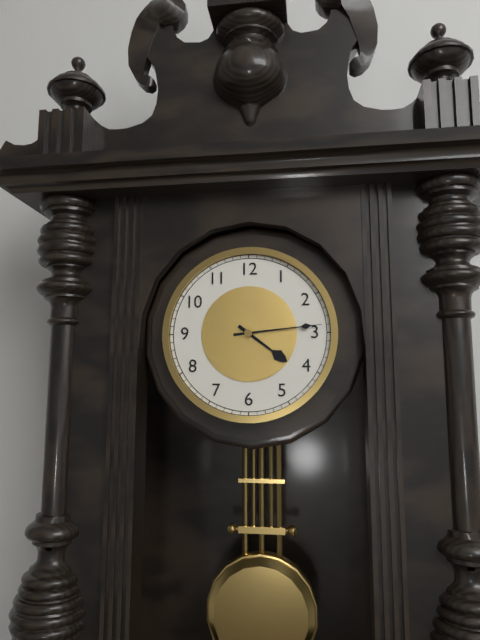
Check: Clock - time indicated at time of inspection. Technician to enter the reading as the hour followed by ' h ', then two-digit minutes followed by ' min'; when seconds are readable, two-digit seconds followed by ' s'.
4 h 14 min
